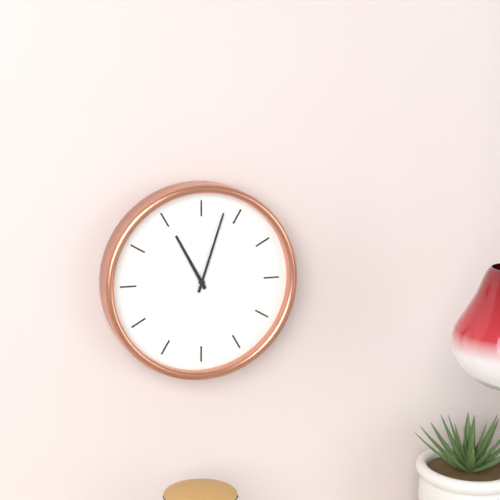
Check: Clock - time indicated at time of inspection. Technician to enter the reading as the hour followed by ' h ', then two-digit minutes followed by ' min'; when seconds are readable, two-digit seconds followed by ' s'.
11 h 03 min
